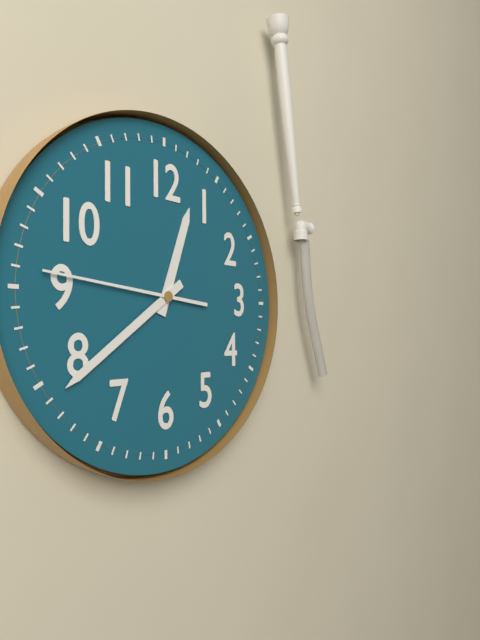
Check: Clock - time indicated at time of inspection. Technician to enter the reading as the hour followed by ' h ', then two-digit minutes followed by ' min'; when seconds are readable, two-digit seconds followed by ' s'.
12 h 39 min 46 s
